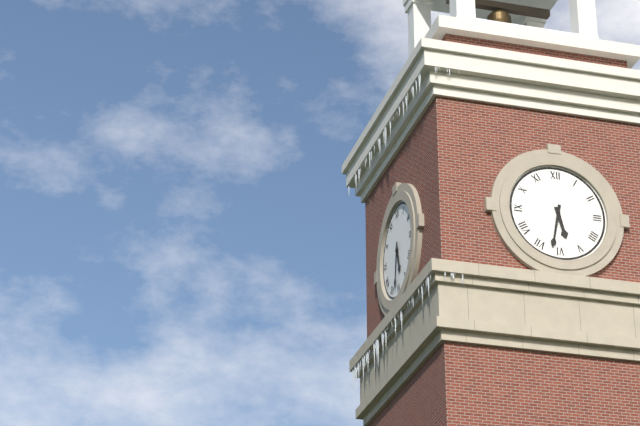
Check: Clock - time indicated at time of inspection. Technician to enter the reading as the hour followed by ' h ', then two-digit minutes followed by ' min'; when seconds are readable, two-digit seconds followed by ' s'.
5 h 32 min
